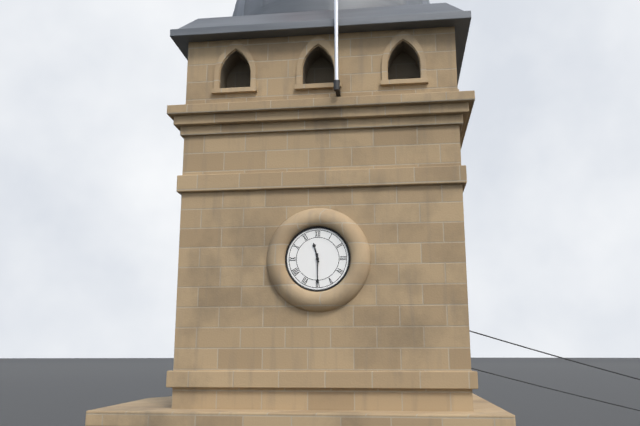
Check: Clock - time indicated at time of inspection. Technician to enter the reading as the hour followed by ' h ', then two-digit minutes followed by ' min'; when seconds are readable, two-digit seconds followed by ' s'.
11 h 30 min
